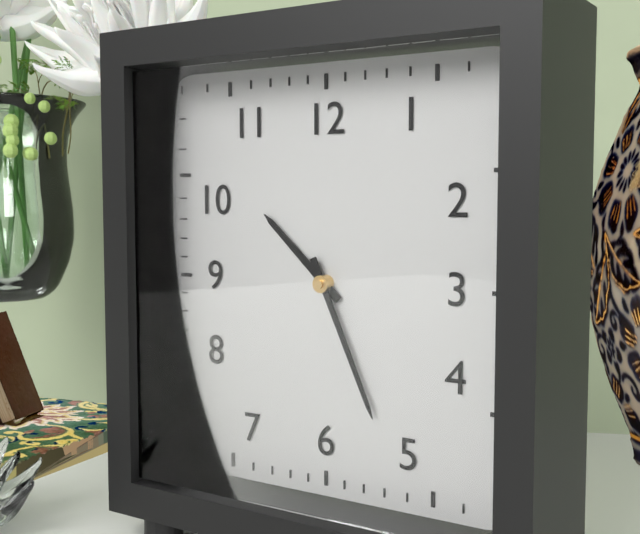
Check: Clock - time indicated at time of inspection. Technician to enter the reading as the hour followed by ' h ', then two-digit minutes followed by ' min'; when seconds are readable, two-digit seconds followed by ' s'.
10 h 26 min
